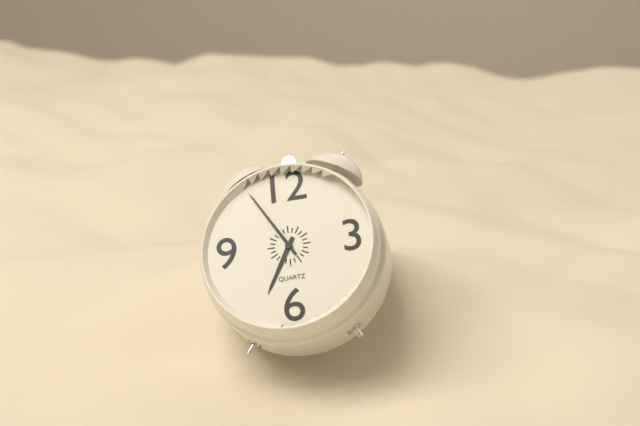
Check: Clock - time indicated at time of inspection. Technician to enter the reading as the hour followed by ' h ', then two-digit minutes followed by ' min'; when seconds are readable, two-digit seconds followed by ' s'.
6 h 55 min
